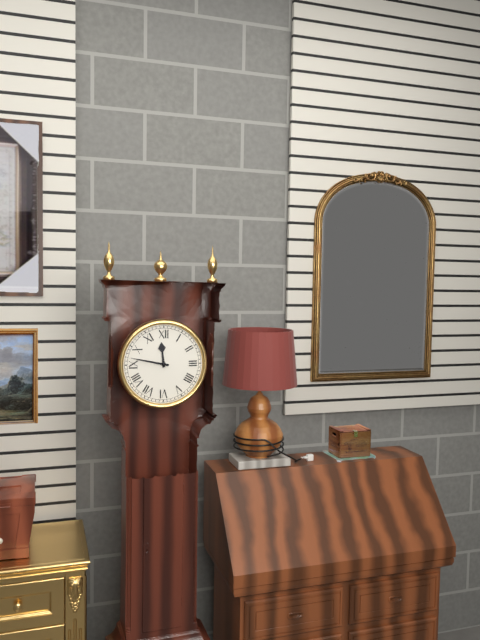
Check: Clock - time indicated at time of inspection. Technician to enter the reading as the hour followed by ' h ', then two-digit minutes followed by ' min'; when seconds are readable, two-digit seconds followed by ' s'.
11 h 47 min
